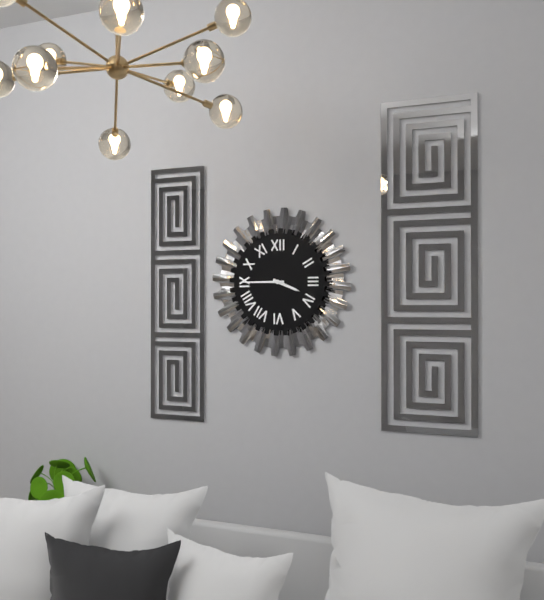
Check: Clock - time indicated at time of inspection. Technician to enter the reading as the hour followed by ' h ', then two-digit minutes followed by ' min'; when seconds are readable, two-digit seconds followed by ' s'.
3 h 45 min
